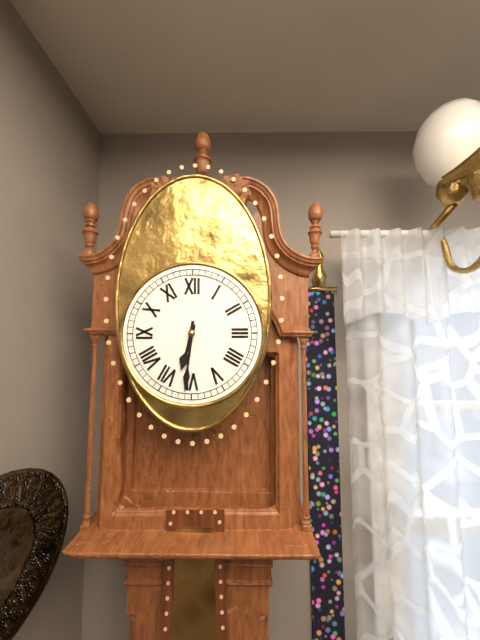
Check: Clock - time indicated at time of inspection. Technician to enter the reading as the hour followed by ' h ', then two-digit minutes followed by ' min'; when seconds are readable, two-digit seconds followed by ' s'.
6 h 31 min
